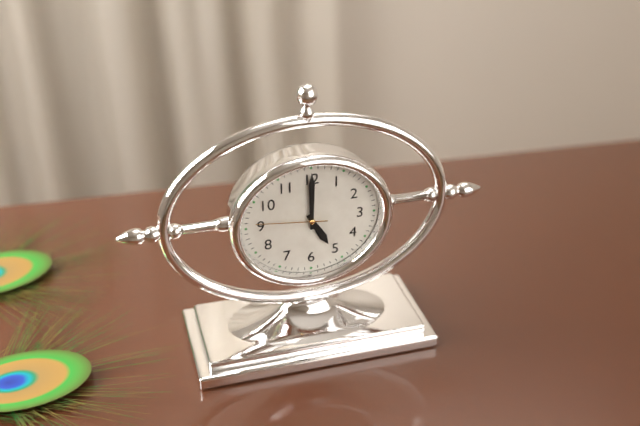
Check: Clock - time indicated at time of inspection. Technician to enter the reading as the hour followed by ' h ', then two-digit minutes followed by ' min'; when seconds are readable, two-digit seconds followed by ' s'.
5 h 00 min 46 s
